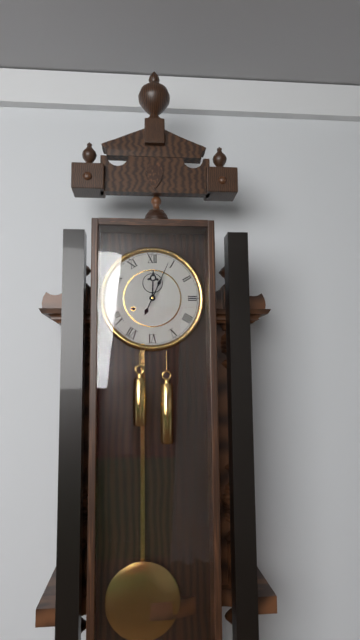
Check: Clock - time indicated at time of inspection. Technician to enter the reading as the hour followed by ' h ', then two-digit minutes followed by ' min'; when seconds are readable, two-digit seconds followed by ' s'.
12 h 04 min
